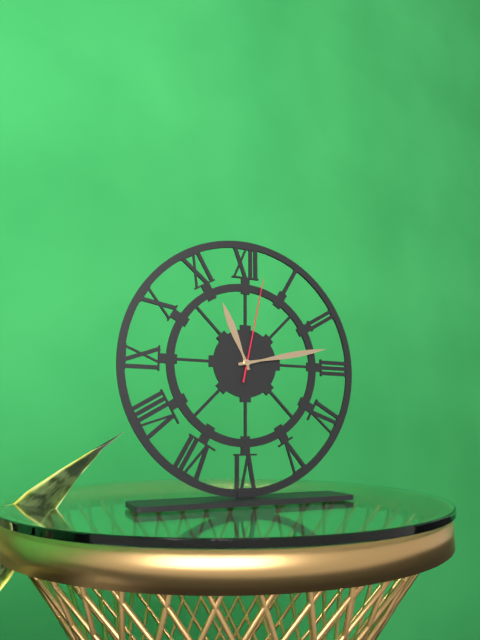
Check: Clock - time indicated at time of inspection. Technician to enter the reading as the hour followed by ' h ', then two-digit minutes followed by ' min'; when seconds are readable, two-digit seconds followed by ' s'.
11 h 13 min 02 s
